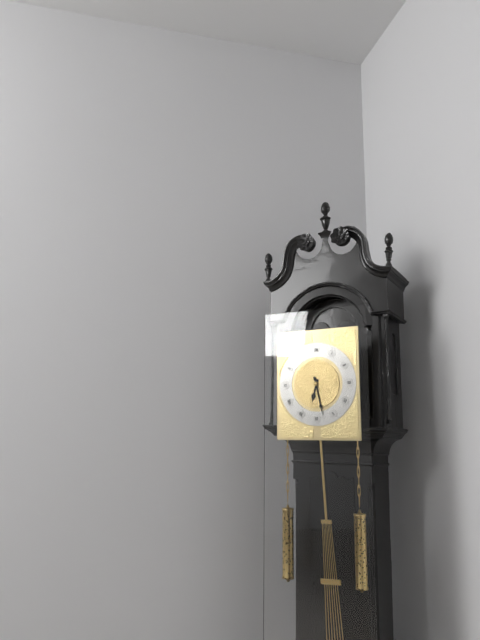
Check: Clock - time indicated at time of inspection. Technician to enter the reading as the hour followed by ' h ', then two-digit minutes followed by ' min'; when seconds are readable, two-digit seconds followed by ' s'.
6 h 28 min
